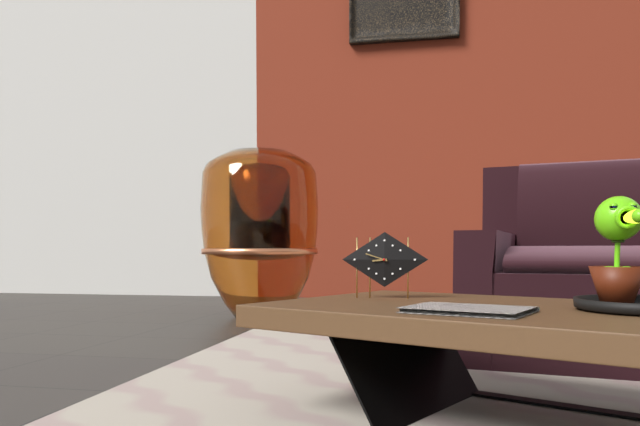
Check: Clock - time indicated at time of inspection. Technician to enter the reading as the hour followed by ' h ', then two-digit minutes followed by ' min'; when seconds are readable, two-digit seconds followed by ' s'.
8 h 48 min
